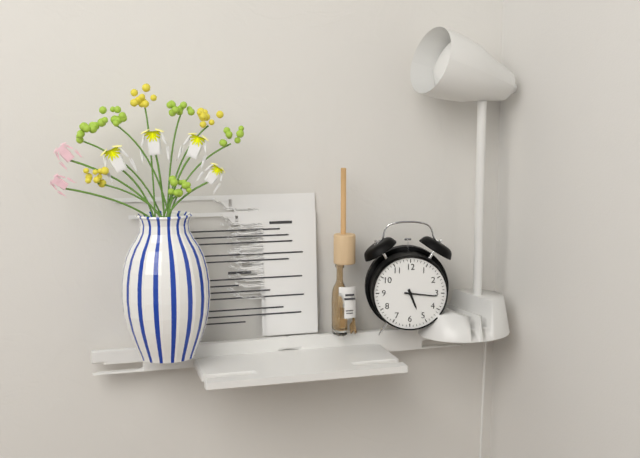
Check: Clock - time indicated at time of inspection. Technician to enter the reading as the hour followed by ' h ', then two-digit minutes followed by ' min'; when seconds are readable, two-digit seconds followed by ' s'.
5 h 16 min
